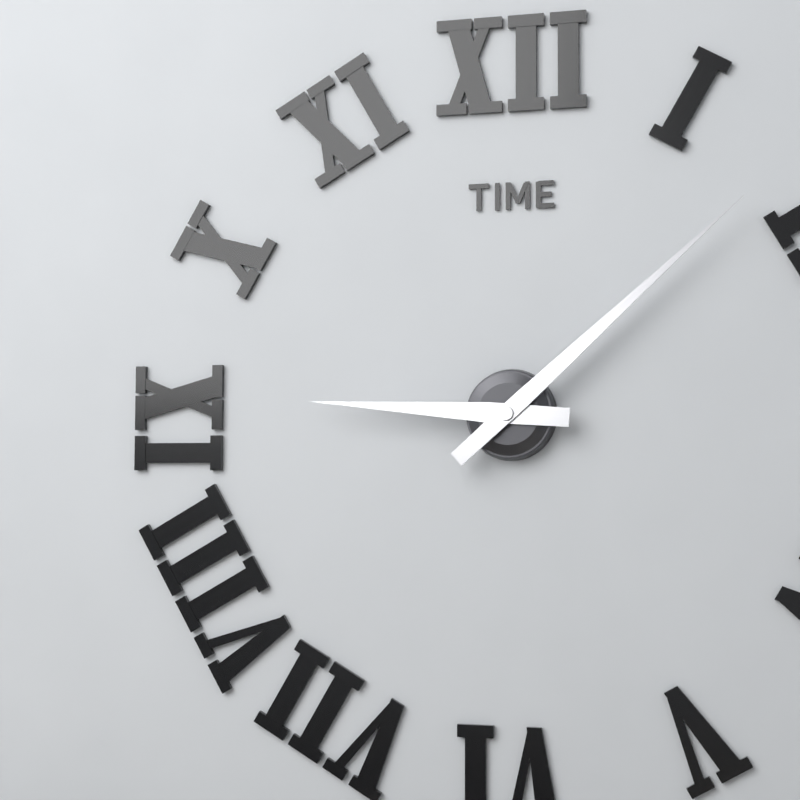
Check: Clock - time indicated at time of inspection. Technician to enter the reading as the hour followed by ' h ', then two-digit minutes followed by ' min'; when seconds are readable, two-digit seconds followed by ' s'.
9 h 08 min
